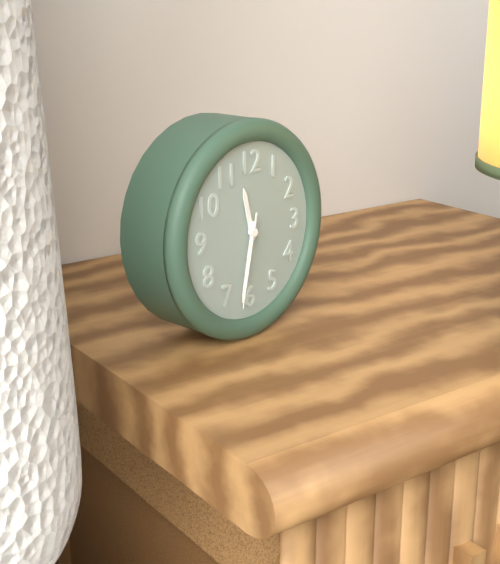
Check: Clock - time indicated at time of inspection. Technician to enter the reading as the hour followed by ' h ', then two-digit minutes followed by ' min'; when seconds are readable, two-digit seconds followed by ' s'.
11 h 32 min 32 s
